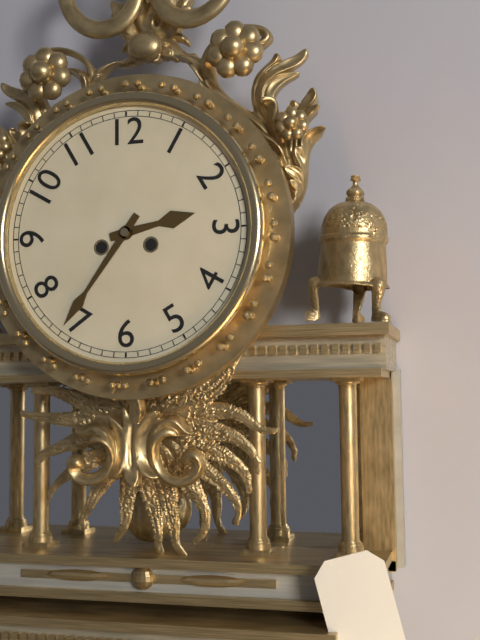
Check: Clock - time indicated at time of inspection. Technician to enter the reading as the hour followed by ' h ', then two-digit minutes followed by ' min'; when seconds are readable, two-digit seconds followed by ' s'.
2 h 36 min
